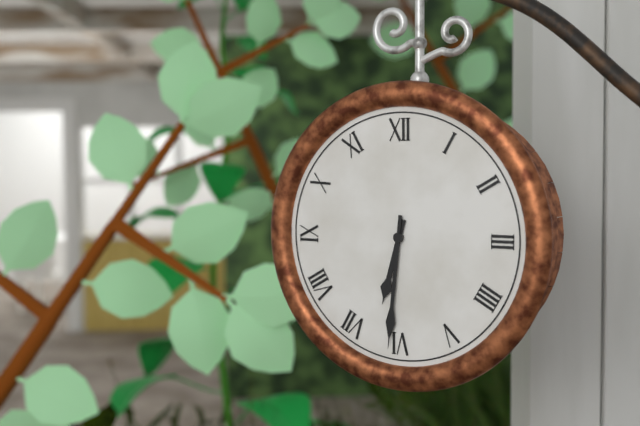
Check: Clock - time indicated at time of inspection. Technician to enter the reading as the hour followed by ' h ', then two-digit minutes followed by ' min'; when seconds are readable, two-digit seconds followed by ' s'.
6 h 31 min
